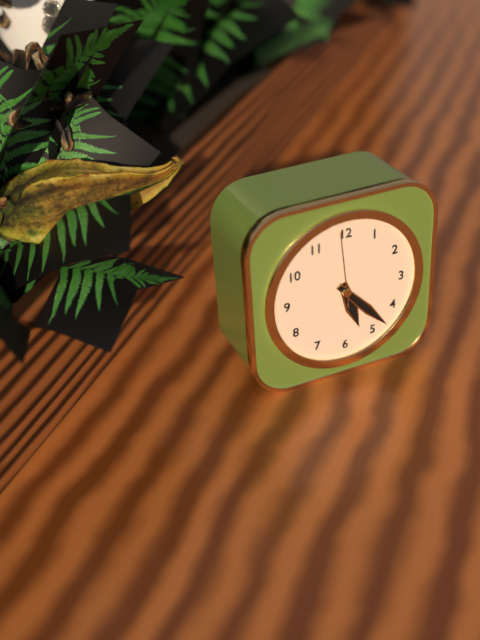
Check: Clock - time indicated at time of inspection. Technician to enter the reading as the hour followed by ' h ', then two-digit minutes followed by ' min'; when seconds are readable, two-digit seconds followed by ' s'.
5 h 23 min 59 s
